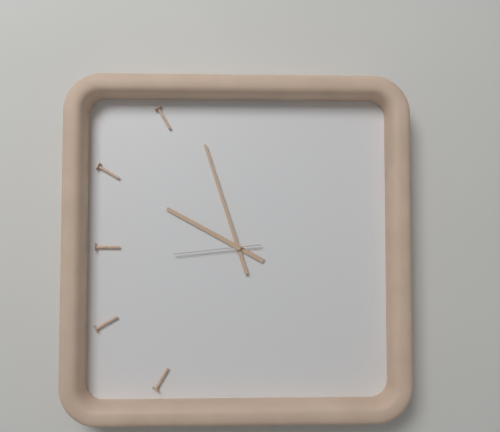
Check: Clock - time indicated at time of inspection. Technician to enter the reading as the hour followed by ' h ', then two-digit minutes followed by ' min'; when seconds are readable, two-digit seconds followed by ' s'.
9 h 57 min 44 s
